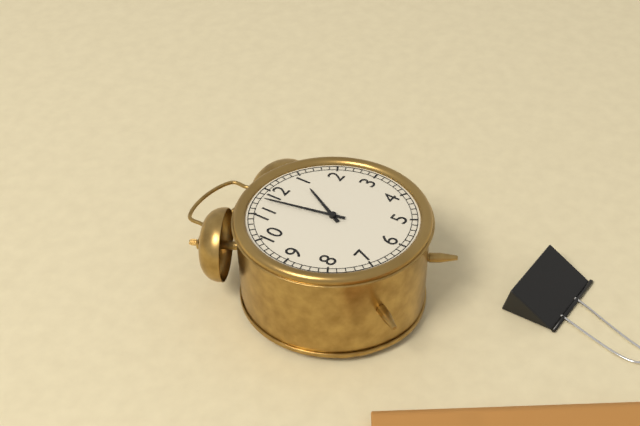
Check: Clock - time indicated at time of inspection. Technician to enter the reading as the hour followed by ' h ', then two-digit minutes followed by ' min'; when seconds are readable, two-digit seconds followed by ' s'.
12 h 58 min
